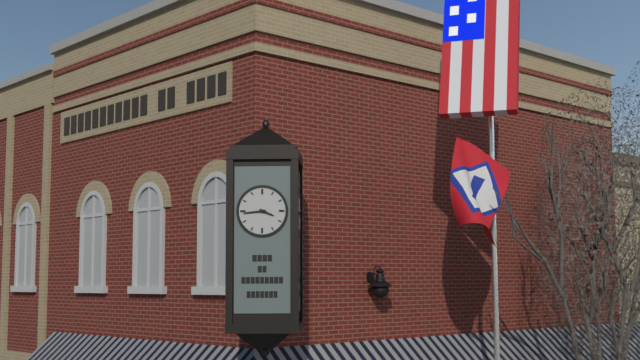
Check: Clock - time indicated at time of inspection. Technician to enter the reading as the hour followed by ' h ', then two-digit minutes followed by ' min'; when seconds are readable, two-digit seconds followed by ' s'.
3 h 44 min
